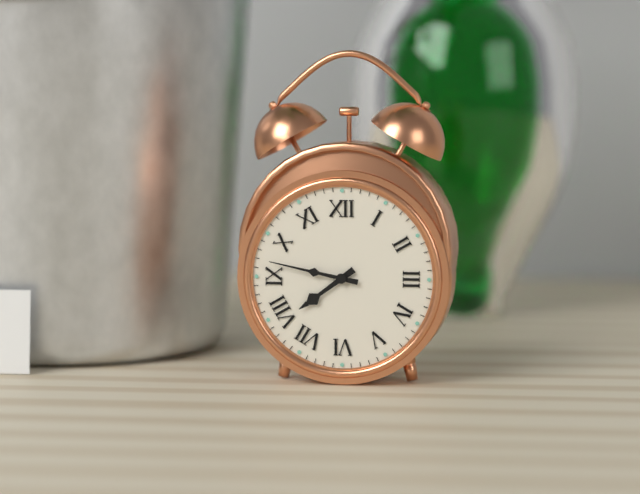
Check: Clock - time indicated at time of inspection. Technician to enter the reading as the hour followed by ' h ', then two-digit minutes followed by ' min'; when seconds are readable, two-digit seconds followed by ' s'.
7 h 47 min
